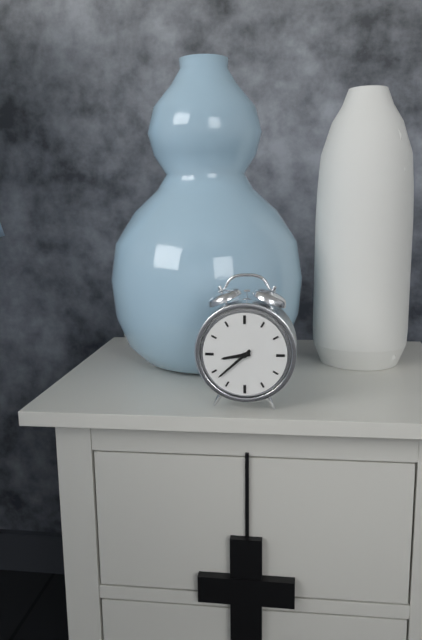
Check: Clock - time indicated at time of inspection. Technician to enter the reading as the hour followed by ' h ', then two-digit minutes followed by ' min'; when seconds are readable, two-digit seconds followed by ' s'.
8 h 38 min
